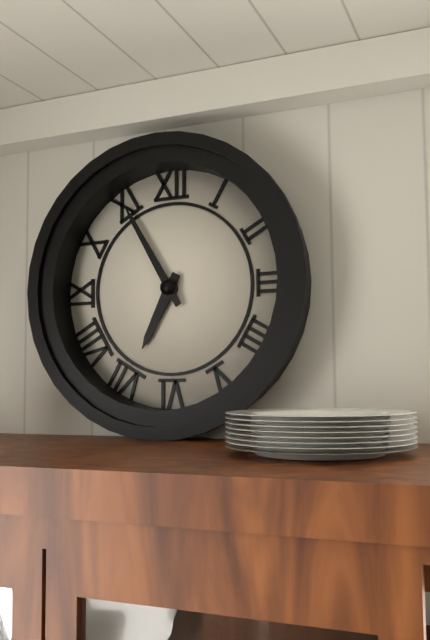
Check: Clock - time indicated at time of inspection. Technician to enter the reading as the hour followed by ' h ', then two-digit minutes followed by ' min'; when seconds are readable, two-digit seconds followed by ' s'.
6 h 55 min
